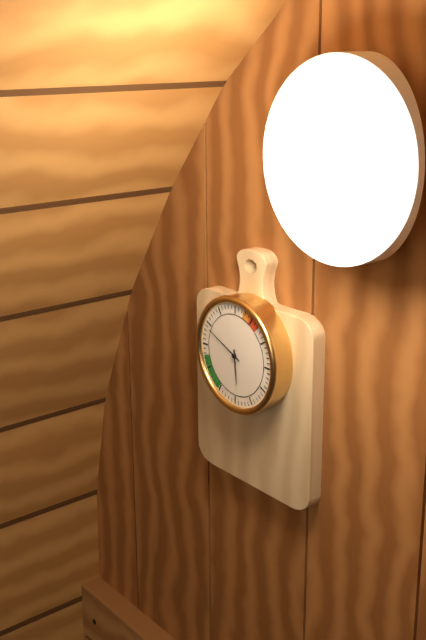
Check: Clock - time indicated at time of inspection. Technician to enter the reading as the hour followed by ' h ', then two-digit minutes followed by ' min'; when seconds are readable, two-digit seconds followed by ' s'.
5 h 49 min
